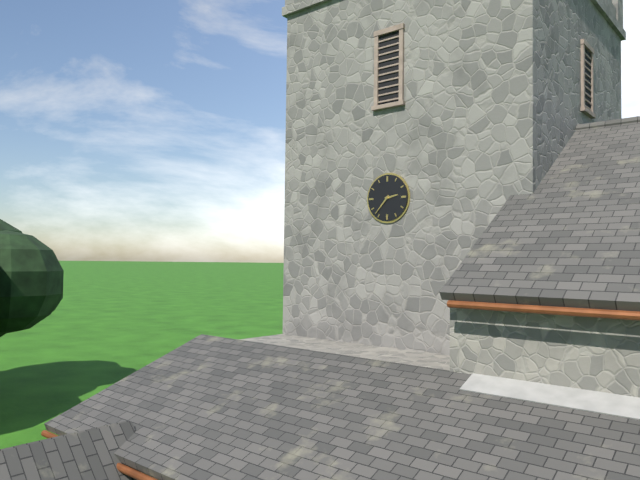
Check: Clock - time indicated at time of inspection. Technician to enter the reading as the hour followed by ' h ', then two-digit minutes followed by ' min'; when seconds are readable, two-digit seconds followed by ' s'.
2 h 37 min
